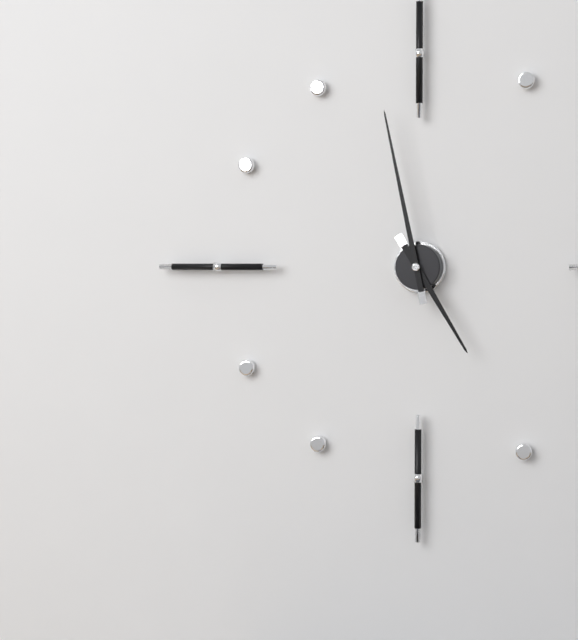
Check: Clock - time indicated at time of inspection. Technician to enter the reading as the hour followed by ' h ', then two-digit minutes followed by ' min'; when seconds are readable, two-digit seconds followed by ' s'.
4 h 58 min
